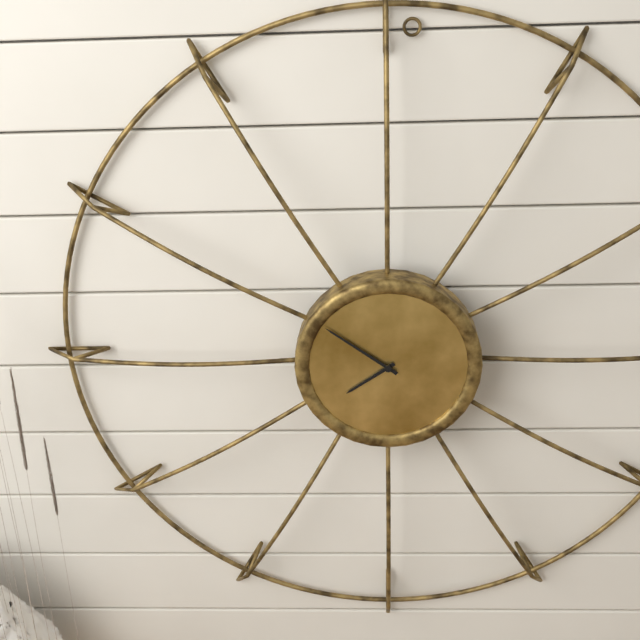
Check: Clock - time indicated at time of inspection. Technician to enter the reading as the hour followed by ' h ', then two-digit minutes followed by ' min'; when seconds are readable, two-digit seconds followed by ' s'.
7 h 51 min
